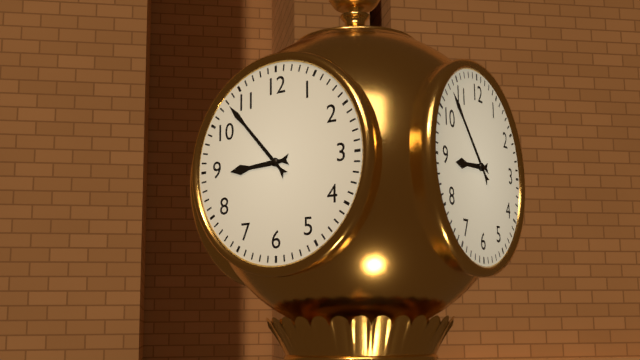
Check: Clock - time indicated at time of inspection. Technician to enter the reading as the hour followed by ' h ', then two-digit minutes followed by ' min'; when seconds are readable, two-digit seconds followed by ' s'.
8 h 53 min
